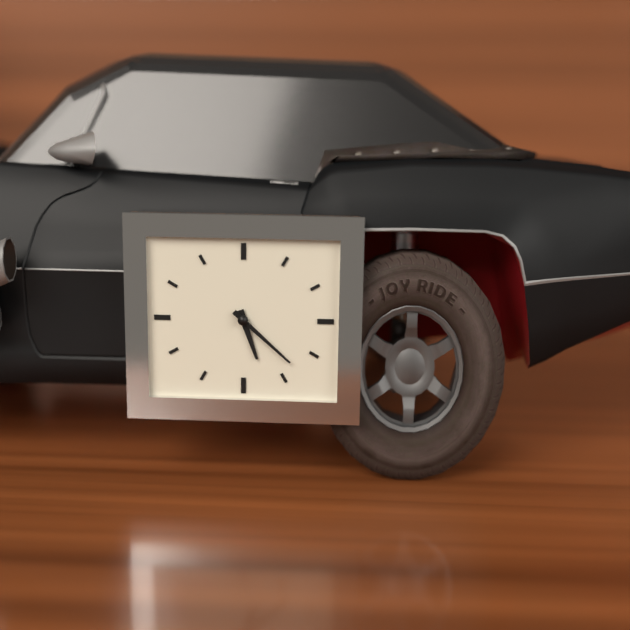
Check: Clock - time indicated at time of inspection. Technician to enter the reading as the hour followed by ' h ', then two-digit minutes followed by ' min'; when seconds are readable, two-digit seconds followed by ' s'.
5 h 22 min
